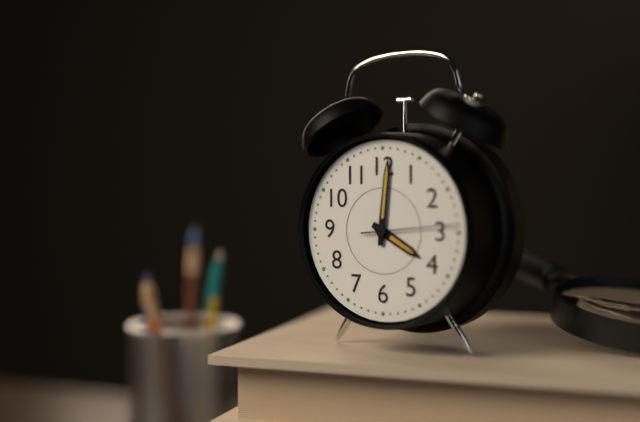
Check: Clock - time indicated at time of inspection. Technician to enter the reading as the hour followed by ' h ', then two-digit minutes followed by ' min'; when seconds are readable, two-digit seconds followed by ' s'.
4 h 01 min 14 s
